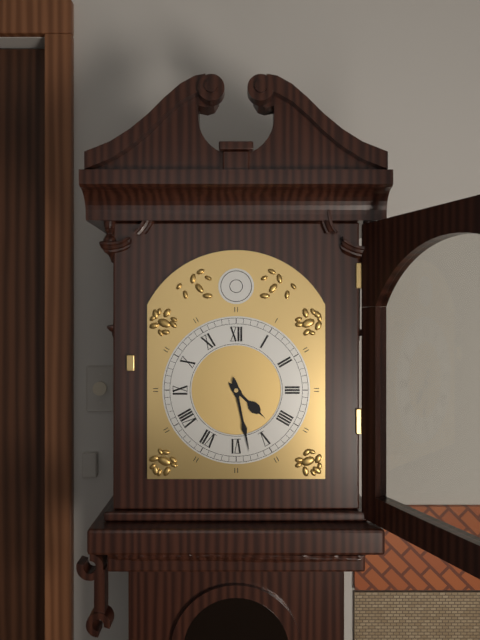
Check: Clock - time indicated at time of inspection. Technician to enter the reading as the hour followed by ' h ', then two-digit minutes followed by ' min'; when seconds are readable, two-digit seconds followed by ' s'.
4 h 28 min
